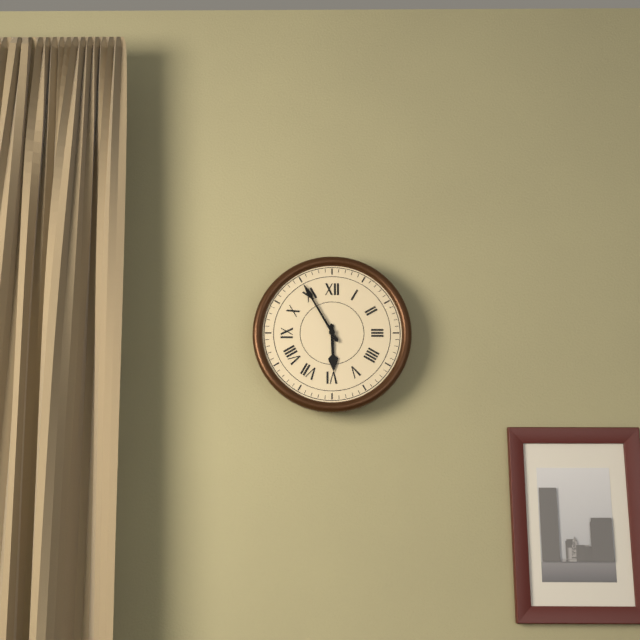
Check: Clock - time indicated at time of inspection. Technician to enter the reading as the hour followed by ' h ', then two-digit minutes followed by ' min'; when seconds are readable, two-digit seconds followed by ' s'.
5 h 55 min
